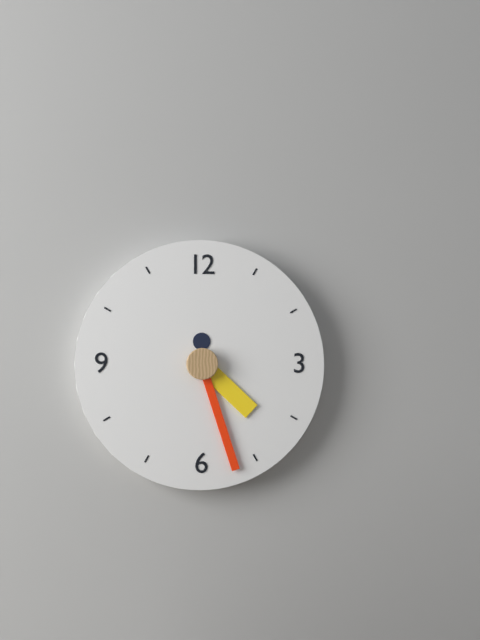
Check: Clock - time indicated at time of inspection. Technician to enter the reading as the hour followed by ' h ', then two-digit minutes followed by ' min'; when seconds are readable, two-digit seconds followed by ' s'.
4 h 27 min
